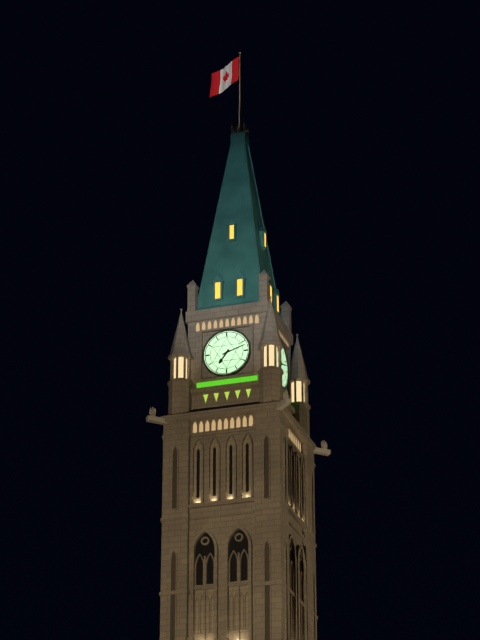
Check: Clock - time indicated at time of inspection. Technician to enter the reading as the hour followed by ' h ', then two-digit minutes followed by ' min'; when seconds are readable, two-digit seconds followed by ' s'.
7 h 12 min
